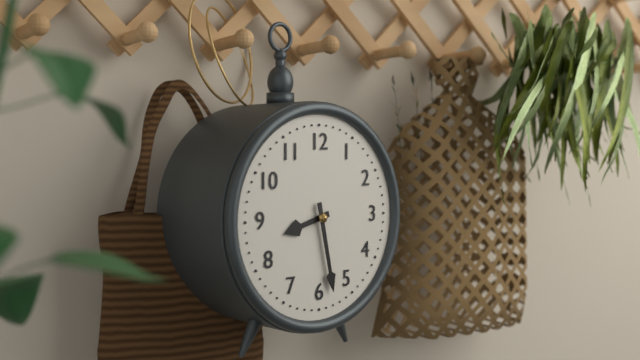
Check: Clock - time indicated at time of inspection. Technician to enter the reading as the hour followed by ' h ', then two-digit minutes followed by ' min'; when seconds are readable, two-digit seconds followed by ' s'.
8 h 28 min
